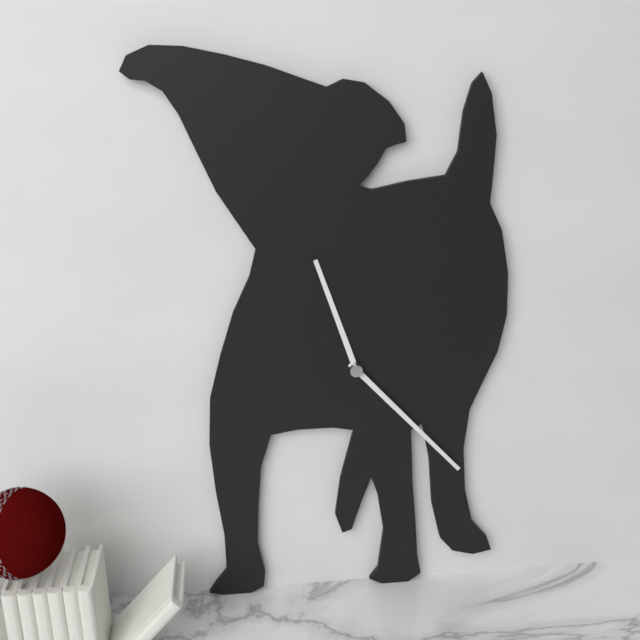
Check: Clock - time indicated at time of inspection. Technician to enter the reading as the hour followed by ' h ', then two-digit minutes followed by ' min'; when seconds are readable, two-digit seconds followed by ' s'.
11 h 23 min
